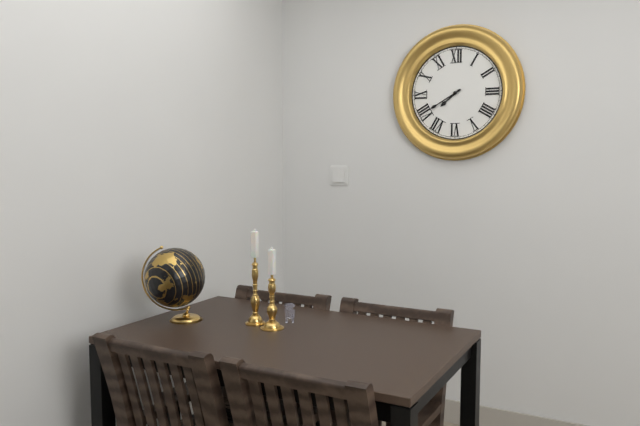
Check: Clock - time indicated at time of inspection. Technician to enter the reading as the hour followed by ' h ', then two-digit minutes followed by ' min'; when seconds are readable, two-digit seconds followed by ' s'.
7 h 40 min
